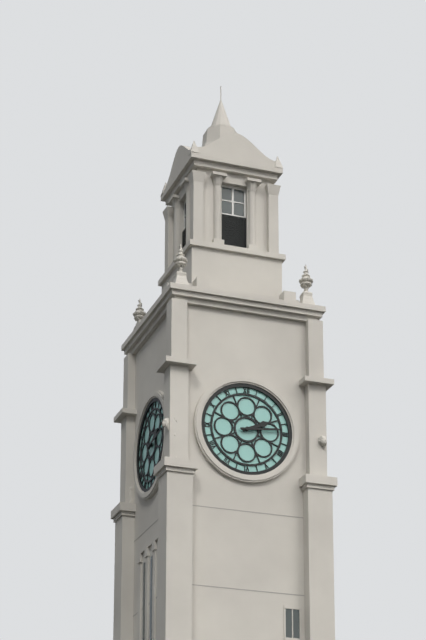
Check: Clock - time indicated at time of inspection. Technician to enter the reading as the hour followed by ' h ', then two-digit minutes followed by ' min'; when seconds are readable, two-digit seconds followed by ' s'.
2 h 14 min
